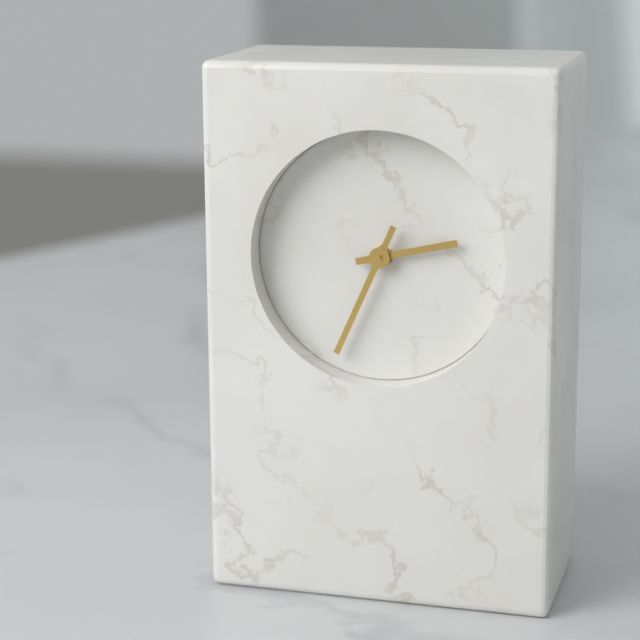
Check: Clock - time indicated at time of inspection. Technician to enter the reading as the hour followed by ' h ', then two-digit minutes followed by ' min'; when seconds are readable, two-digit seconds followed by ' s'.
2 h 34 min
